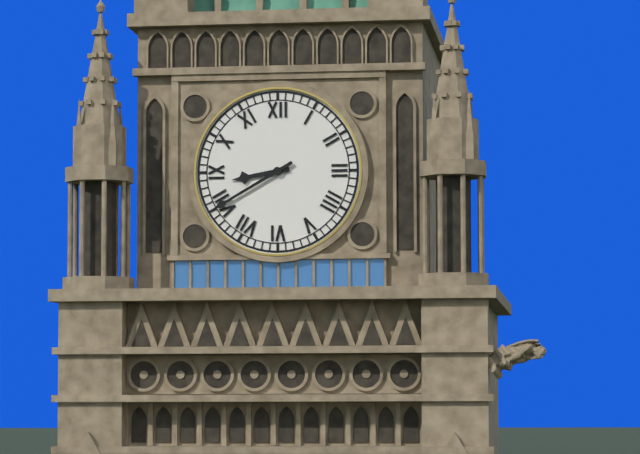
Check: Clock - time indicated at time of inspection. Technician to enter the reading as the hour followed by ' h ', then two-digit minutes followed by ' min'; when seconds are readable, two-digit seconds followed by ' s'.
8 h 40 min
